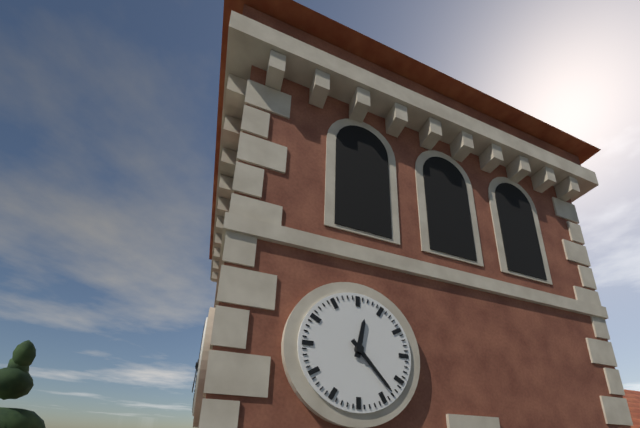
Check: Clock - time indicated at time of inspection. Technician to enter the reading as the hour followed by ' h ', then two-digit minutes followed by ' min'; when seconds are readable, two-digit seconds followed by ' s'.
12 h 23 min
